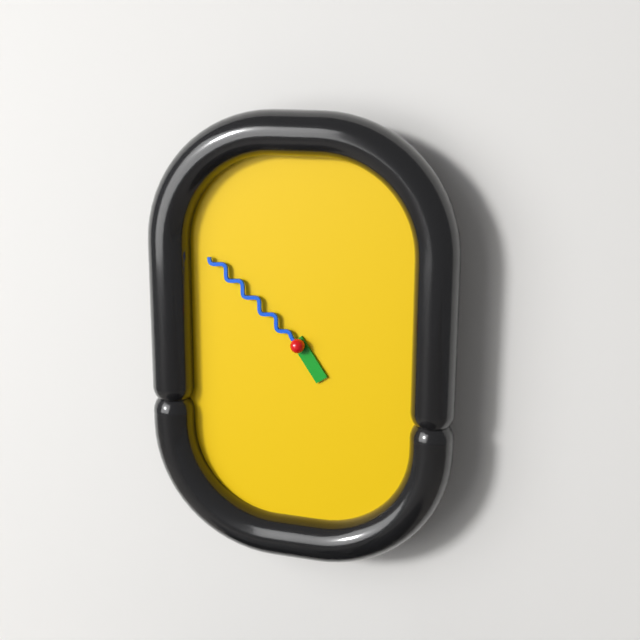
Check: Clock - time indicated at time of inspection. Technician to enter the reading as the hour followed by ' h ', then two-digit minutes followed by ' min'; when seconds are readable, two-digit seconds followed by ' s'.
4 h 52 min
